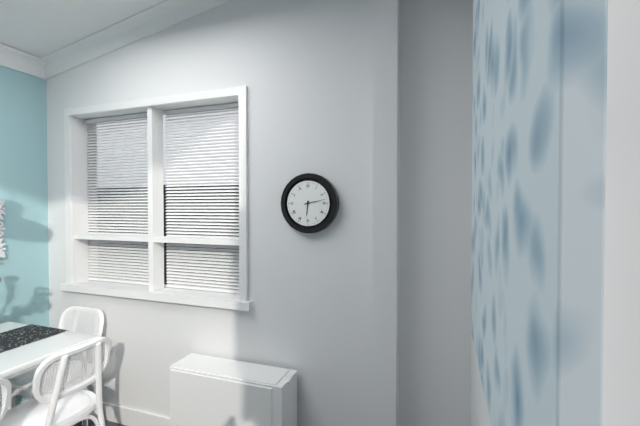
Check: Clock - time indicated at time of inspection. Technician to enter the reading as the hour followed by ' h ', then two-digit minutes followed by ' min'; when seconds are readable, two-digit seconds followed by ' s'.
6 h 13 min
